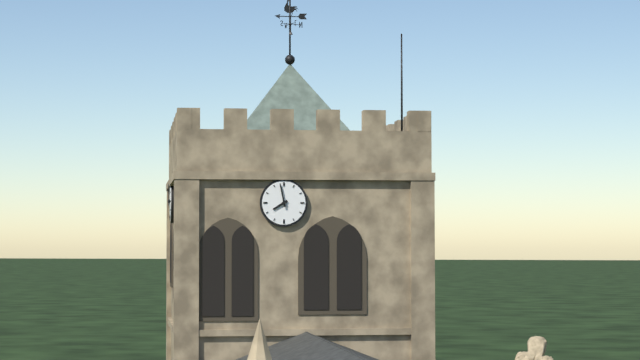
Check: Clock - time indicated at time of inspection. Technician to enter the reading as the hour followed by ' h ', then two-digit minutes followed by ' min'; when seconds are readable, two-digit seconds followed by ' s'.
7 h 58 min
